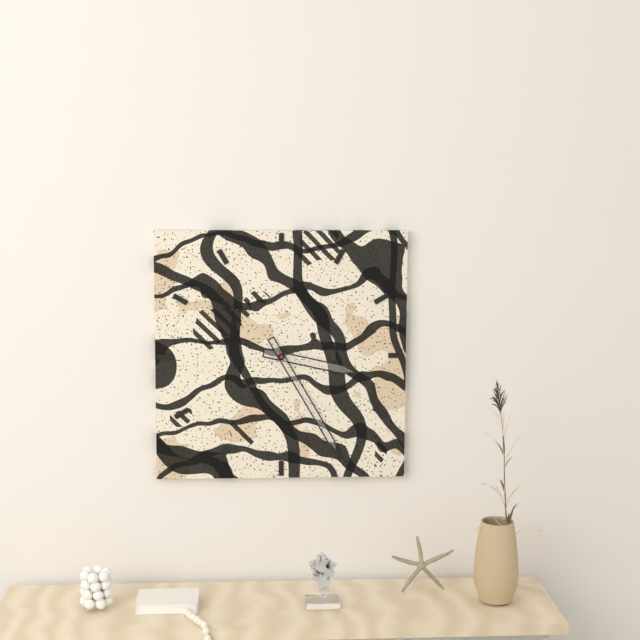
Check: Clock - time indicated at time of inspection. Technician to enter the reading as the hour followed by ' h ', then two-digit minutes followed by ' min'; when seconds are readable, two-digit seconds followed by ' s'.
3 h 25 min
